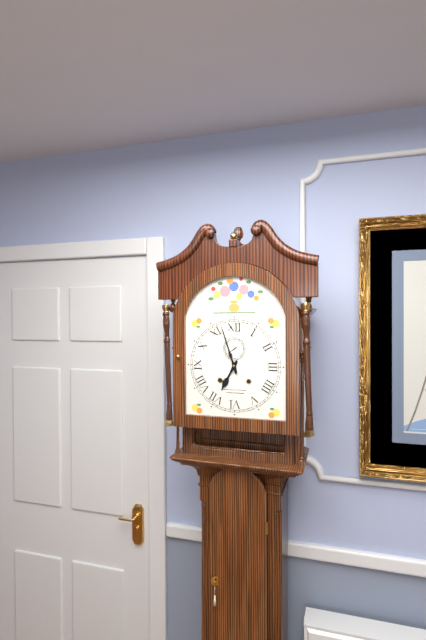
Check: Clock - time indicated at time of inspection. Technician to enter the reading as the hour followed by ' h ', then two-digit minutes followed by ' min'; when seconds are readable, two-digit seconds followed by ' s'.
6 h 57 min
